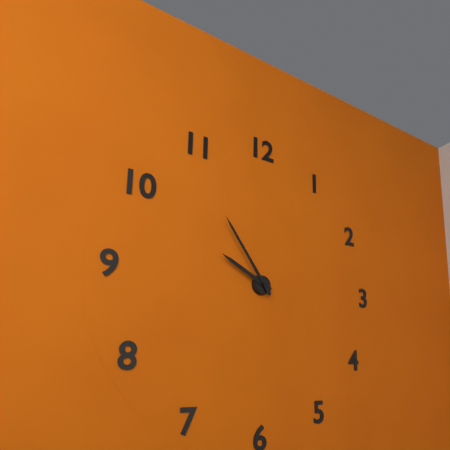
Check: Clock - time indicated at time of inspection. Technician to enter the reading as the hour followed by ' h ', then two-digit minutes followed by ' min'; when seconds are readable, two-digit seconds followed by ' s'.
9 h 54 min
